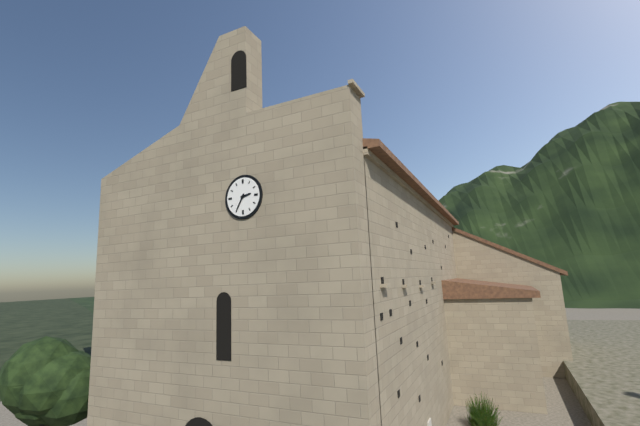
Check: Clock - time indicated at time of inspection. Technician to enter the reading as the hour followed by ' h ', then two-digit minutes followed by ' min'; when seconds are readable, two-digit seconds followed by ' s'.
2 h 35 min
